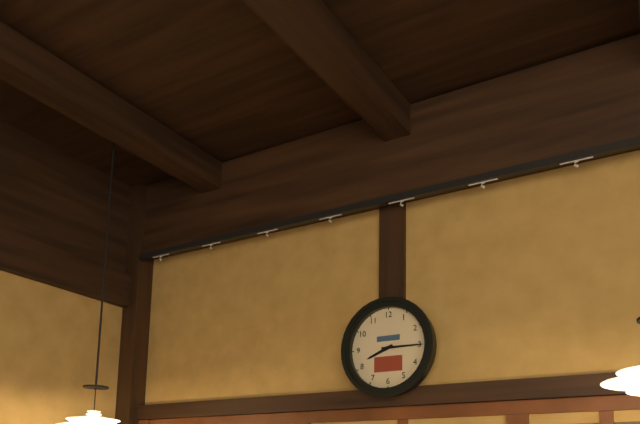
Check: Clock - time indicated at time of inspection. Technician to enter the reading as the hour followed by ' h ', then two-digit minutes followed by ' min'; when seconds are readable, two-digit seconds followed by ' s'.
8 h 15 min
